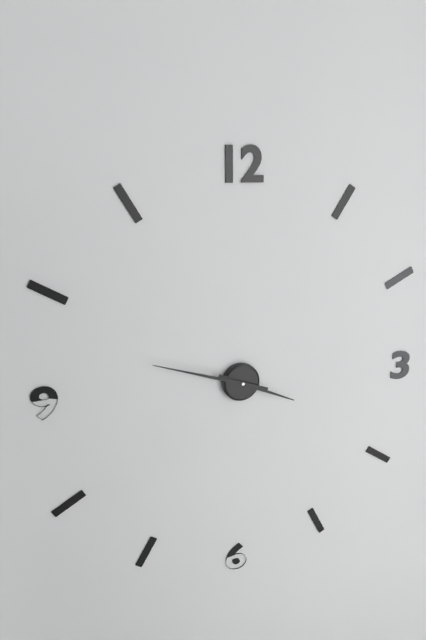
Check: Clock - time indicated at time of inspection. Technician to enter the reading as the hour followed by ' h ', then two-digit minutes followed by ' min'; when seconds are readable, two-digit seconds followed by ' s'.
3 h 48 min
